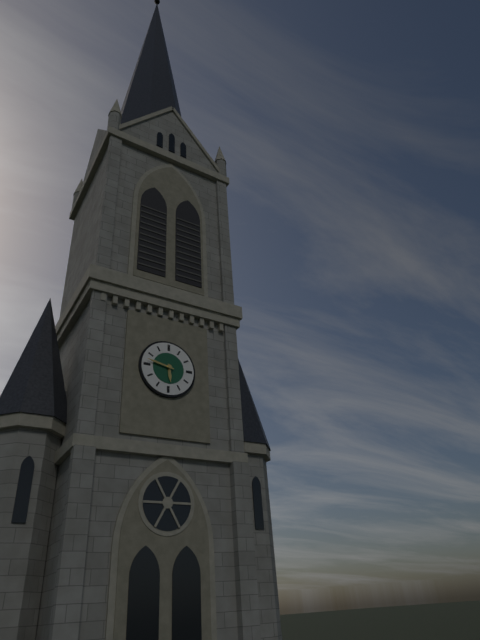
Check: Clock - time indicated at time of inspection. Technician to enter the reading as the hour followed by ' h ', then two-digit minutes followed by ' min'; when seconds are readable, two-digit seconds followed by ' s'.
5 h 47 min
